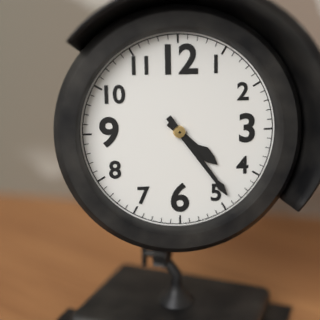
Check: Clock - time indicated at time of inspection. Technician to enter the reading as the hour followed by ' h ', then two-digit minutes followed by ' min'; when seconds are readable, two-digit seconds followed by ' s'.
4 h 24 min
